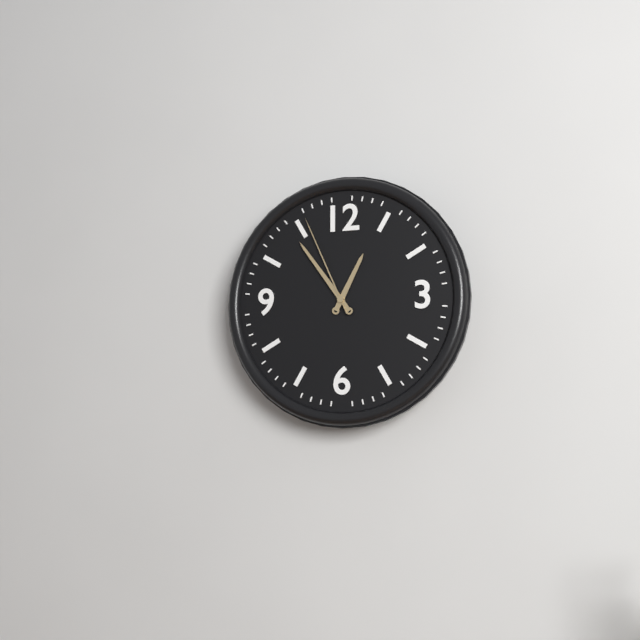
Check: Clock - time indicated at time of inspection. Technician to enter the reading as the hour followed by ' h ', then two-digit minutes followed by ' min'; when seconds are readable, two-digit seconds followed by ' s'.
12 h 54 min 56 s
